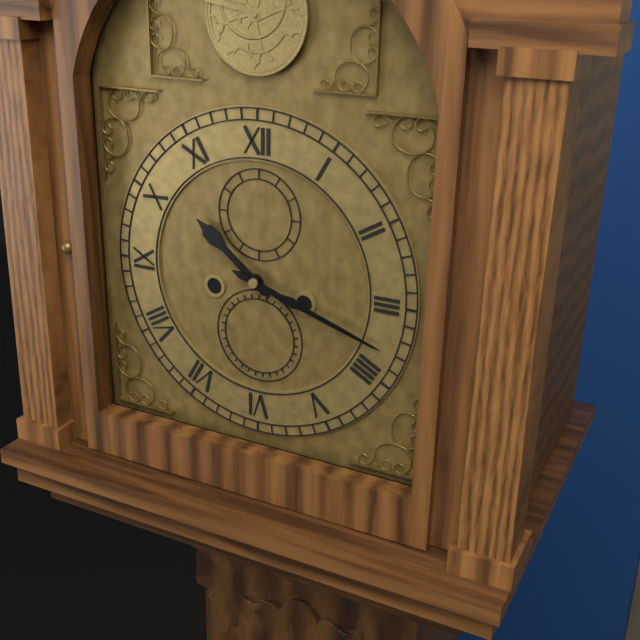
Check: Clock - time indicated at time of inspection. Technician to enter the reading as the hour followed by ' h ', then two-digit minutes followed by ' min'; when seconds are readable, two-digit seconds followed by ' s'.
10 h 18 min
